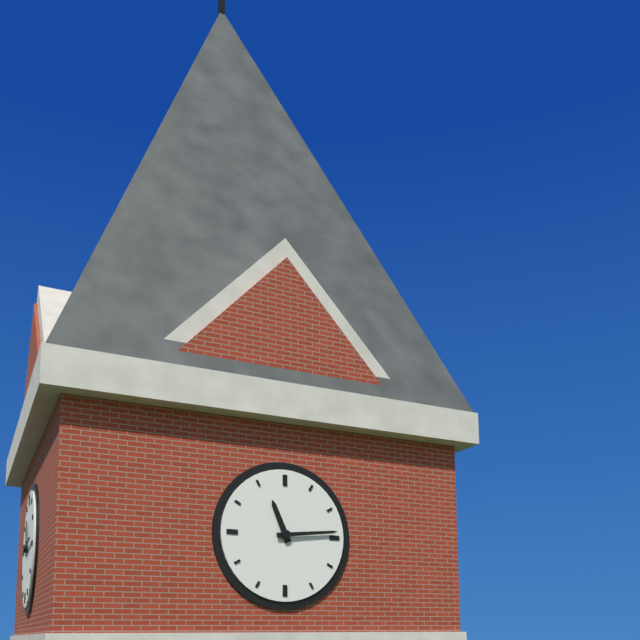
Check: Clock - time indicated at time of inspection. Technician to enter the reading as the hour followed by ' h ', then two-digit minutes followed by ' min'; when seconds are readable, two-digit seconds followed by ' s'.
11 h 14 min
